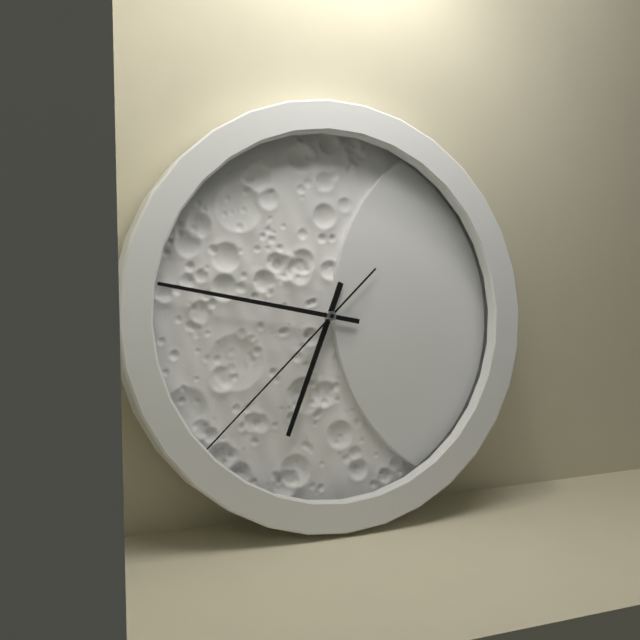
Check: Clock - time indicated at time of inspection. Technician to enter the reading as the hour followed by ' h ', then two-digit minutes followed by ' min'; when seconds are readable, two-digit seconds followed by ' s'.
6 h 47 min 38 s
